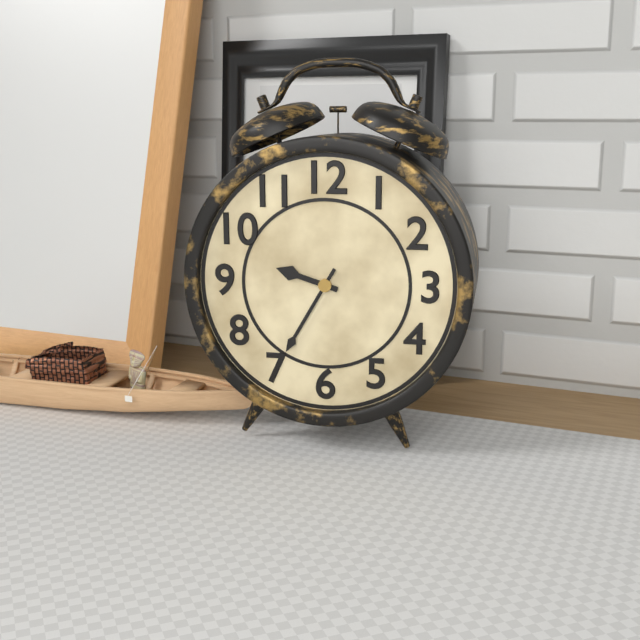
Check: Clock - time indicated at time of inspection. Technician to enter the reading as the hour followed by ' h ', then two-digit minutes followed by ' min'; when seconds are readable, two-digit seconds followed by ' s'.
9 h 35 min
